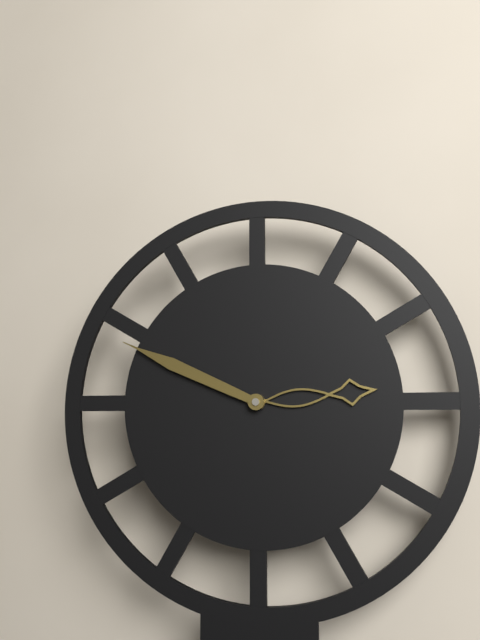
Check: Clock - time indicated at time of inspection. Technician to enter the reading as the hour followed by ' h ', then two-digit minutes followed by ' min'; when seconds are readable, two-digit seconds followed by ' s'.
2 h 49 min
